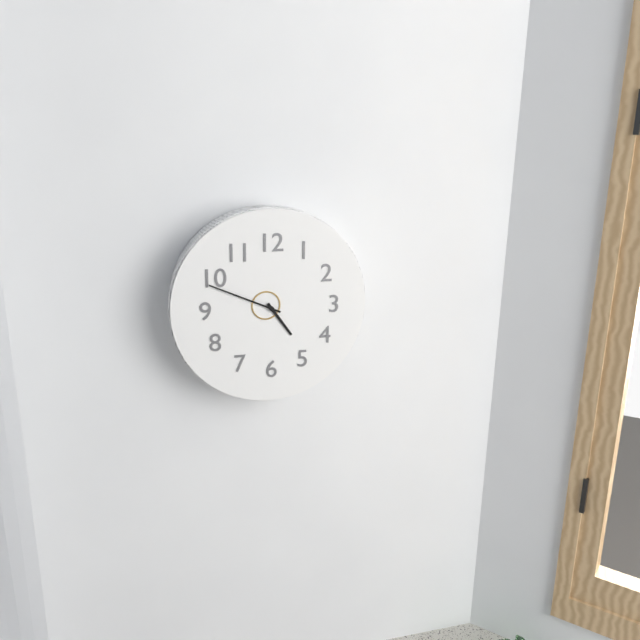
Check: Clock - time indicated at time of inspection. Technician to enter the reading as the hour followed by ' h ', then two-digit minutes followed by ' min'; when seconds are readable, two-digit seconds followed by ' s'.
4 h 49 min
